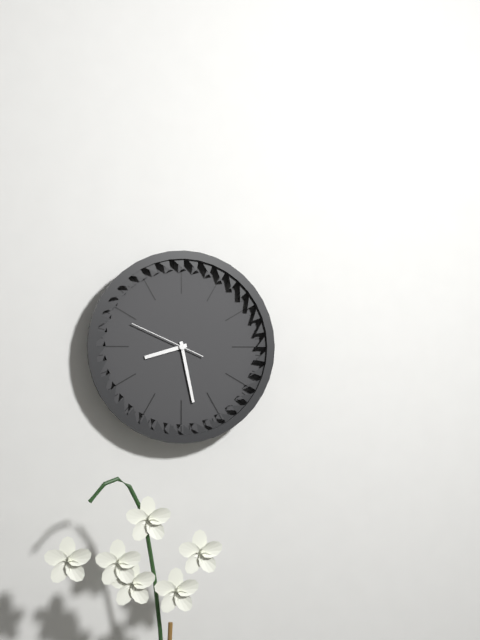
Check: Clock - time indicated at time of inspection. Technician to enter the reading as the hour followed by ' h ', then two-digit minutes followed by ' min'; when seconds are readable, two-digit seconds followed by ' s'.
8 h 28 min 49 s
